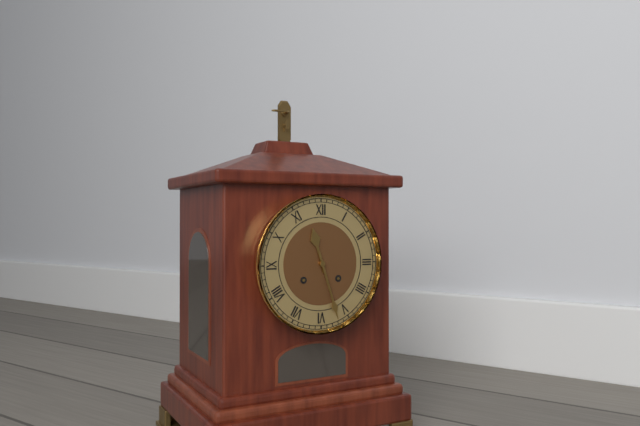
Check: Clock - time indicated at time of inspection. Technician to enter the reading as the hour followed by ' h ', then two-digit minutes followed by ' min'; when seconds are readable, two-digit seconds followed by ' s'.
11 h 27 min
